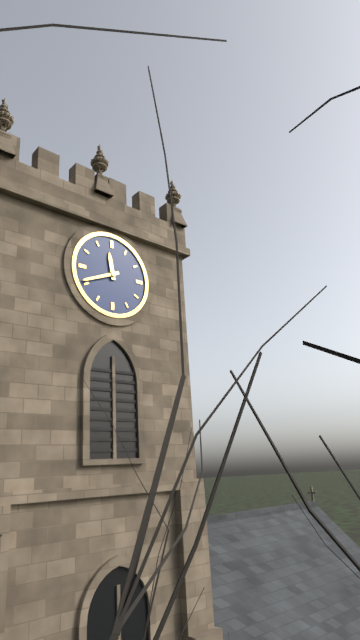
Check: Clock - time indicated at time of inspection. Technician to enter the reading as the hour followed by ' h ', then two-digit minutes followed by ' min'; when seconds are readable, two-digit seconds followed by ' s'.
11 h 41 min
